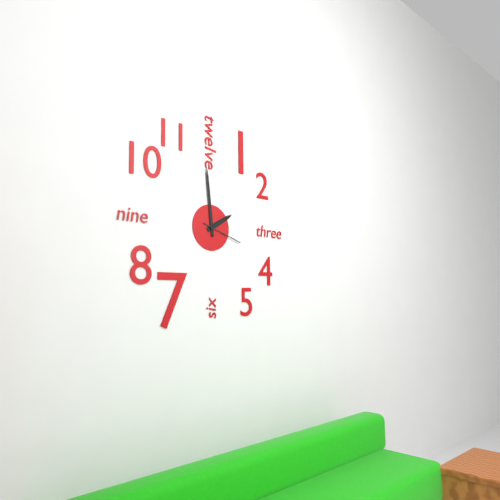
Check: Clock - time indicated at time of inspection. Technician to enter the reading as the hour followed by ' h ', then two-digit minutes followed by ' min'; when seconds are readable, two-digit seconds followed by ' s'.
1 h 59 min
